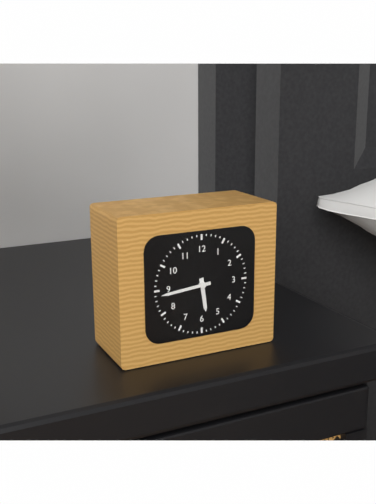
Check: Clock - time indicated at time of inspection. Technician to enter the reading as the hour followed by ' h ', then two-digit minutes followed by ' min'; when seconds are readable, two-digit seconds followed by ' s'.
5 h 44 min
